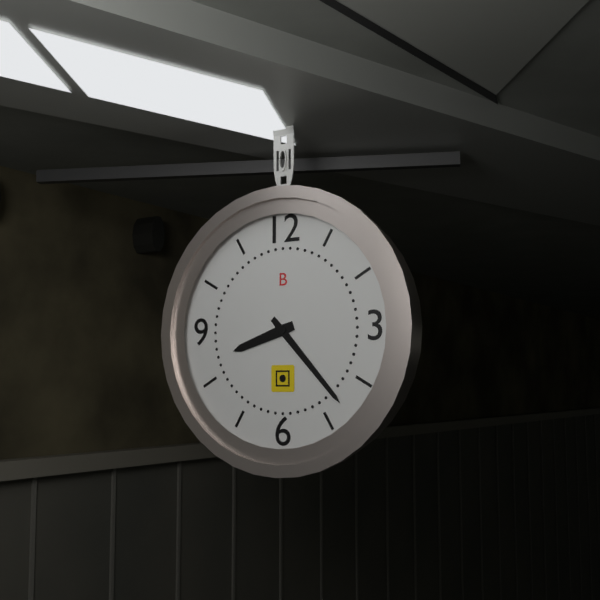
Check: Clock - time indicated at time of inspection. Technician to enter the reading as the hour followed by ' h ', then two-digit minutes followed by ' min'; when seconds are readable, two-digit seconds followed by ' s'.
8 h 23 min
